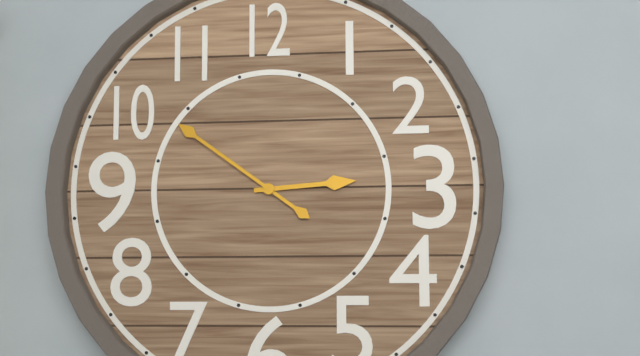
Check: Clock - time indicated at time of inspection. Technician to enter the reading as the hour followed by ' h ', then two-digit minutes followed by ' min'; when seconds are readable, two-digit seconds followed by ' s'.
2 h 51 min
